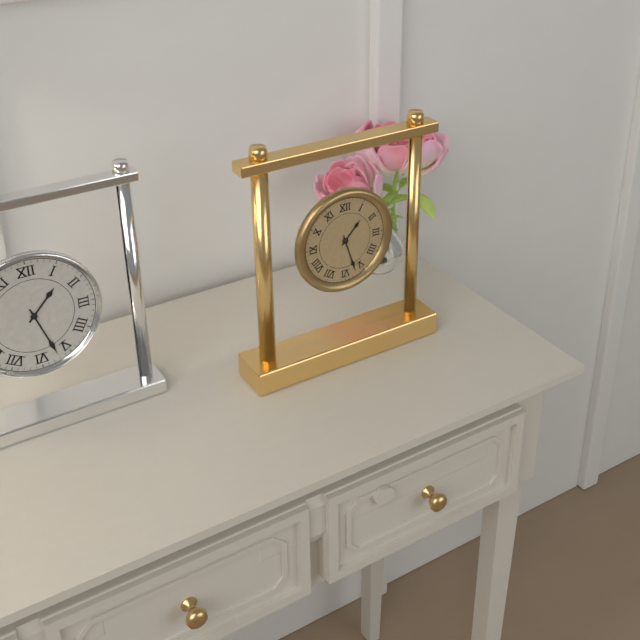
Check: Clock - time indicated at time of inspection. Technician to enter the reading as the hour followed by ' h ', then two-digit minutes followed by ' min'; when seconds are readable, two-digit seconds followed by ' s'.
1 h 27 min
